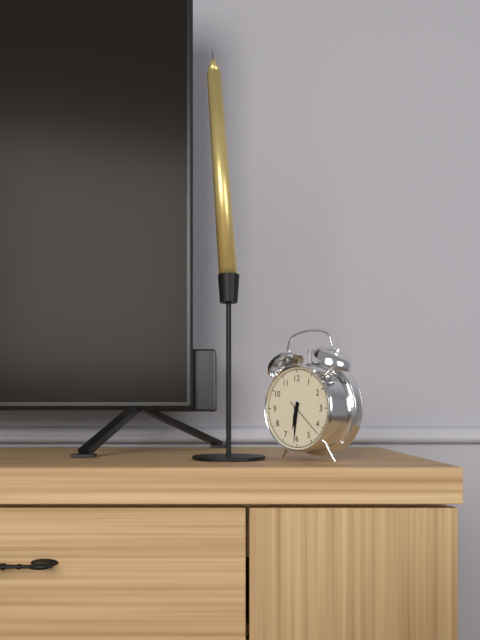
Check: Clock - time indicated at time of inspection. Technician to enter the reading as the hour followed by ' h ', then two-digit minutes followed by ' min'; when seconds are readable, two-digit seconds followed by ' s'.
6 h 31 min
